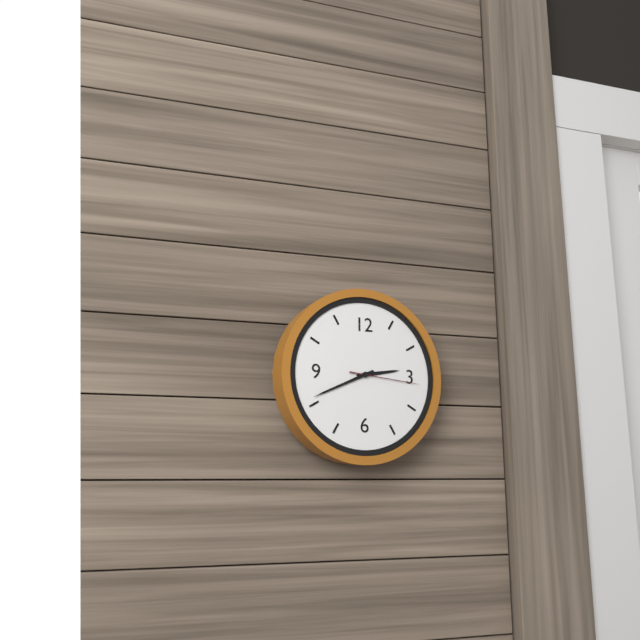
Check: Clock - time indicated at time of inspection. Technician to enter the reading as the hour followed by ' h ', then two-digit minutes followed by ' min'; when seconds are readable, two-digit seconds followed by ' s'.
2 h 41 min 16 s
